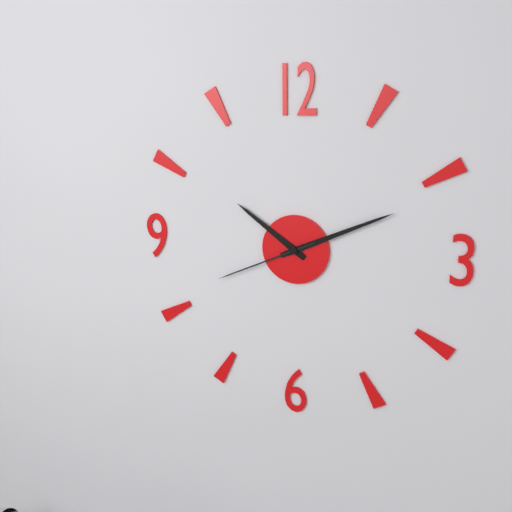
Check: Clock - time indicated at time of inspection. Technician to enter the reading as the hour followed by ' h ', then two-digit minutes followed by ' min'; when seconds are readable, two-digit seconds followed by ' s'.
10 h 11 min 41 s
